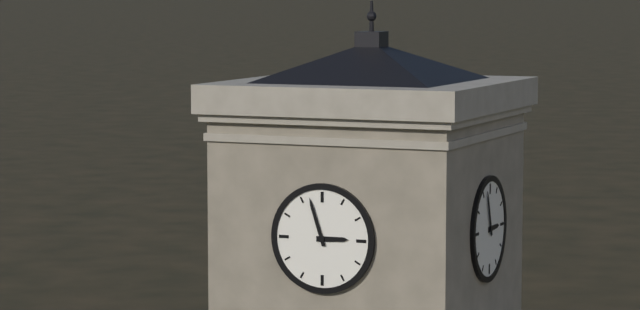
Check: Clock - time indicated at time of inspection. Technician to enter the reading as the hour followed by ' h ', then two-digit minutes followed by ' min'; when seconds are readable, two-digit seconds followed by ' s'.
2 h 57 min
